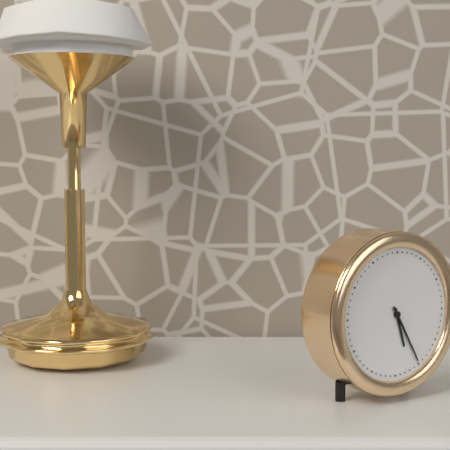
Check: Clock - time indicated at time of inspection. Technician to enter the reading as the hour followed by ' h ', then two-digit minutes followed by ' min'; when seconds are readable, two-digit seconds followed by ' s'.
5 h 25 min
